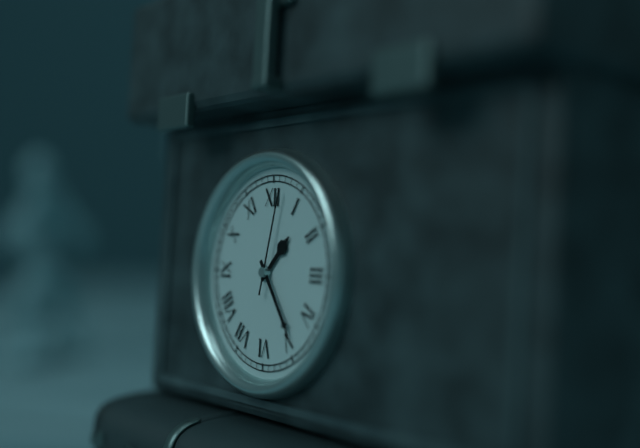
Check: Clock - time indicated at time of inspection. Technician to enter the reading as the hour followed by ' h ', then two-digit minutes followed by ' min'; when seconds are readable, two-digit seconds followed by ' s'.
1 h 24 min 02 s
